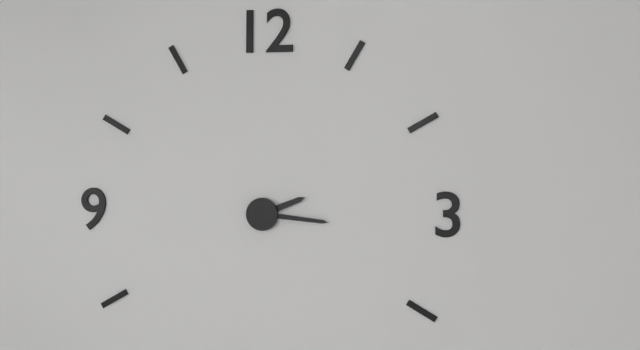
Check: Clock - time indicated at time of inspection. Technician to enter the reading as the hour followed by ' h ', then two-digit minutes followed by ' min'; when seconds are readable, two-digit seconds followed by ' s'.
2 h 16 min
